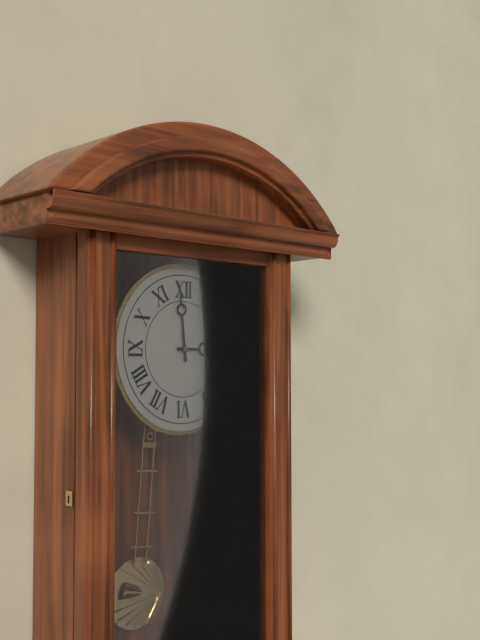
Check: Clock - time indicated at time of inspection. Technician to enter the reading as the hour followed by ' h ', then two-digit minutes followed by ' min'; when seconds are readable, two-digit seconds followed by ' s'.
2 h 59 min
